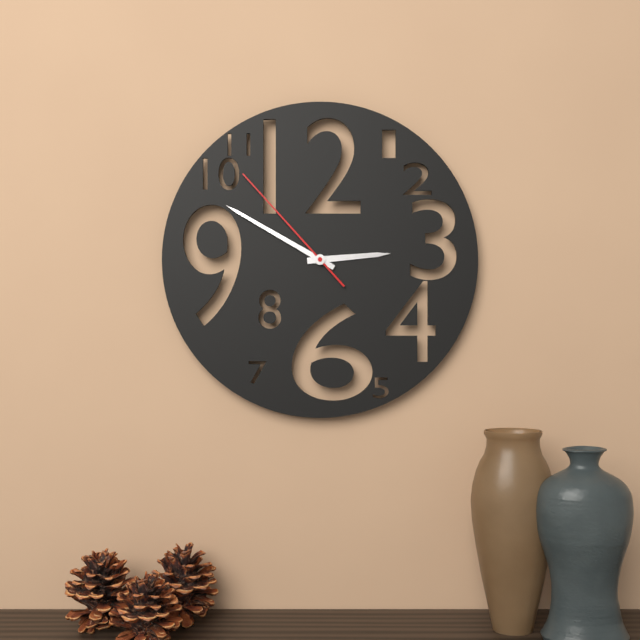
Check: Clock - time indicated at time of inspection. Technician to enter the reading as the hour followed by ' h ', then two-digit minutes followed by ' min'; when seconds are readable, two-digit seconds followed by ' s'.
2 h 50 min 53 s
